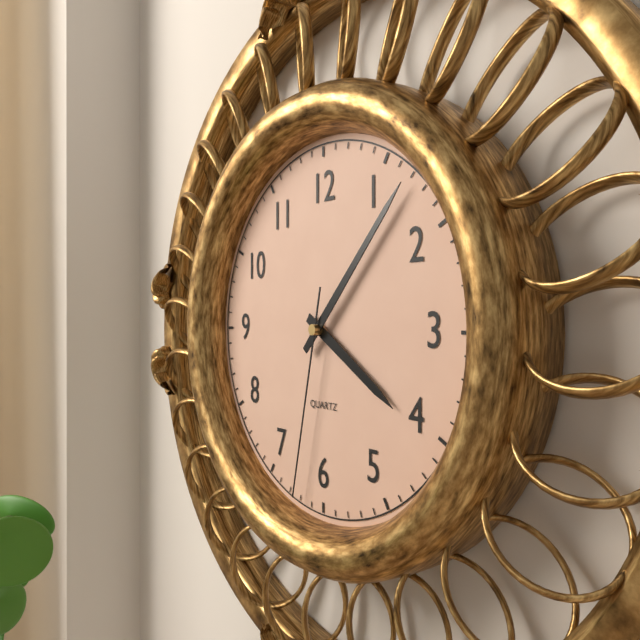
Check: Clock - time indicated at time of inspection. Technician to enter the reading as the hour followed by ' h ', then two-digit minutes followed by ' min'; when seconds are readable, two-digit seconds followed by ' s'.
4 h 07 min 32 s
